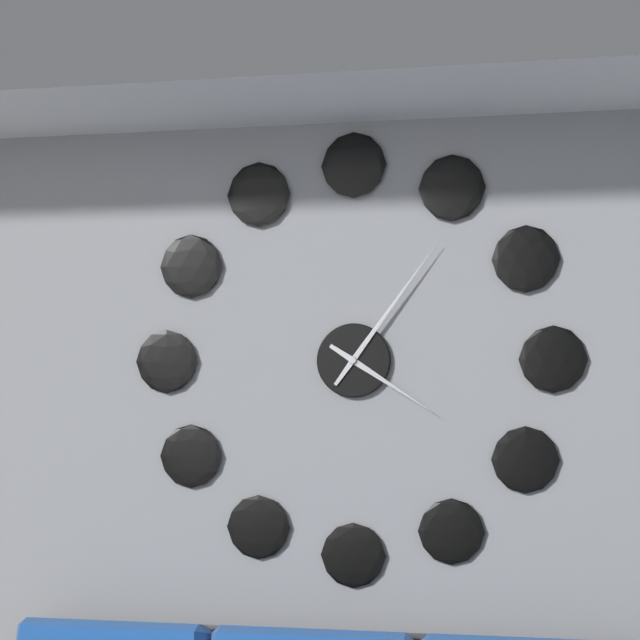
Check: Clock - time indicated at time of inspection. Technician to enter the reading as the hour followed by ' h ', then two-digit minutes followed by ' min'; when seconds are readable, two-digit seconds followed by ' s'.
4 h 06 min
